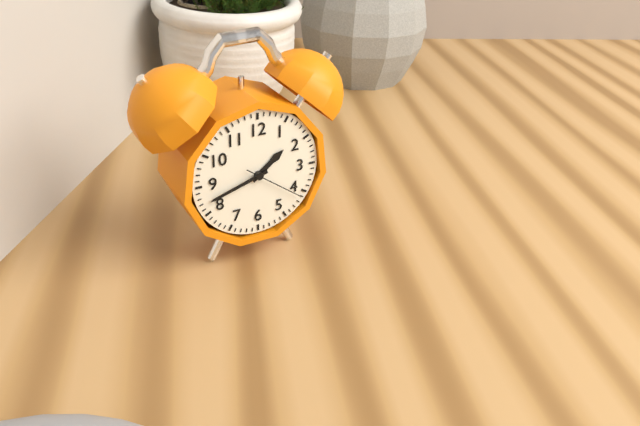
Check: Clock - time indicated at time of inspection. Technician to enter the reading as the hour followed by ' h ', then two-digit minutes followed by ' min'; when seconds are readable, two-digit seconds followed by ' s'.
1 h 42 min 21 s
